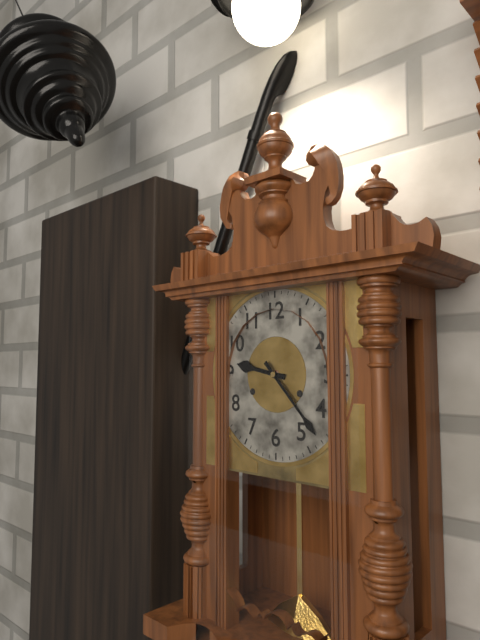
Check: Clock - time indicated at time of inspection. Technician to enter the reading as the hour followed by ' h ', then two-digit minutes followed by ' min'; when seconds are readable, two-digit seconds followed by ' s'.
9 h 23 min
